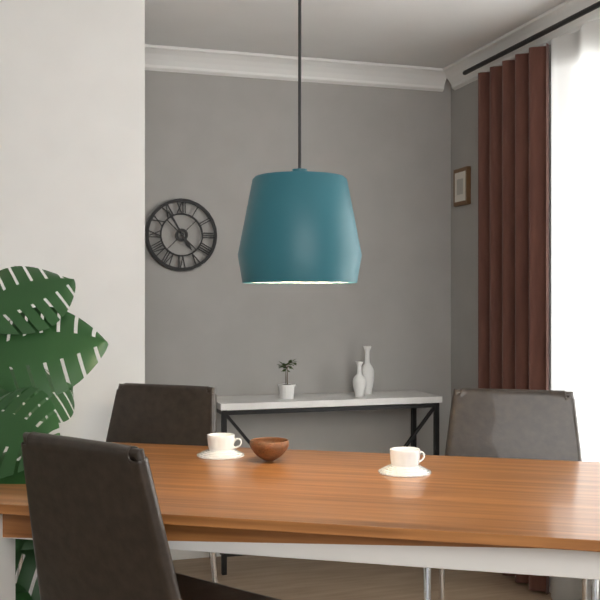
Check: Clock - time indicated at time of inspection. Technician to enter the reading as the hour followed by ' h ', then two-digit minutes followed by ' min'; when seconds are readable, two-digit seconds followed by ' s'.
4 h 55 min
